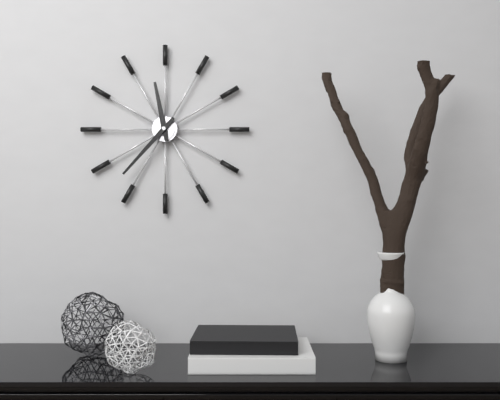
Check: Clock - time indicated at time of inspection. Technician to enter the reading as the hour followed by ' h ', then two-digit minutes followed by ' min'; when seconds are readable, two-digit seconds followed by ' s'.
11 h 37 min
